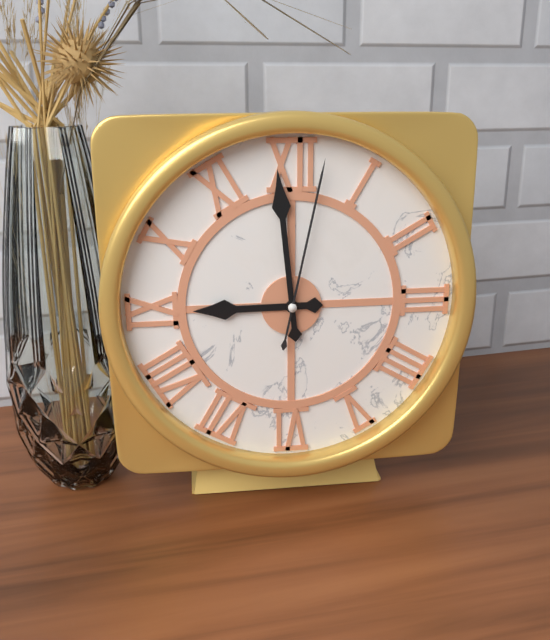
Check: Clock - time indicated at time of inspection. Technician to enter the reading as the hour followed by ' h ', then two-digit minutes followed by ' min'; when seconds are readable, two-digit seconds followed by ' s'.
8 h 59 min 02 s
